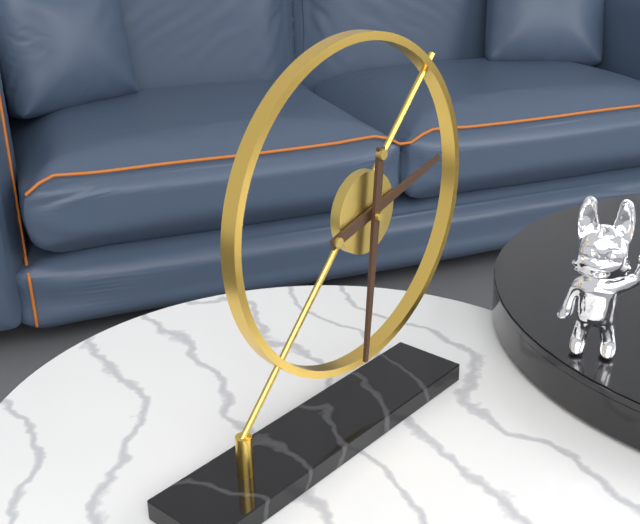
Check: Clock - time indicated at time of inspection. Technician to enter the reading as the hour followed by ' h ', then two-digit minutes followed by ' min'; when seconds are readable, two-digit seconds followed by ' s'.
2 h 31 min
